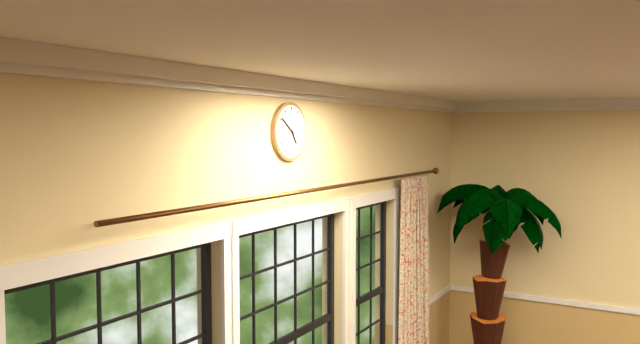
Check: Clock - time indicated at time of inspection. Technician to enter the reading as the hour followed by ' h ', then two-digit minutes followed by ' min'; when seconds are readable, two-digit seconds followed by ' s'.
4 h 51 min
